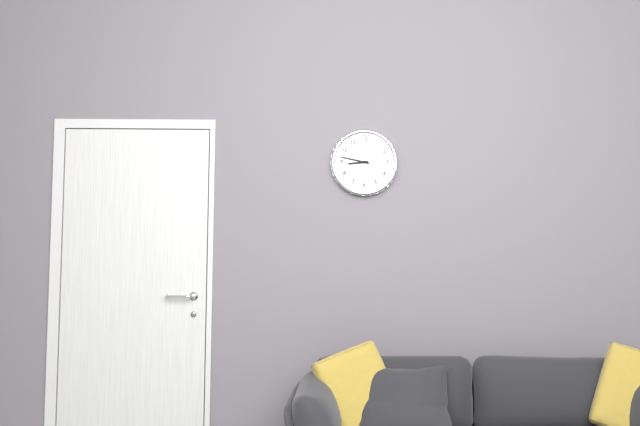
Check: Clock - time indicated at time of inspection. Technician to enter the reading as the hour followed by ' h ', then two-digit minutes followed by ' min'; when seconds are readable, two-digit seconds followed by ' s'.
8 h 47 min
